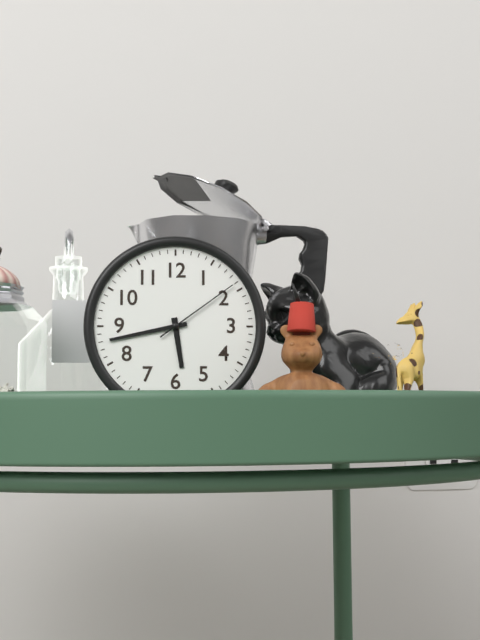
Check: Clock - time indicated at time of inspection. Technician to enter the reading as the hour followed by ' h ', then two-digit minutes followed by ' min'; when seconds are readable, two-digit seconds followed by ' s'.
5 h 43 min 09 s
